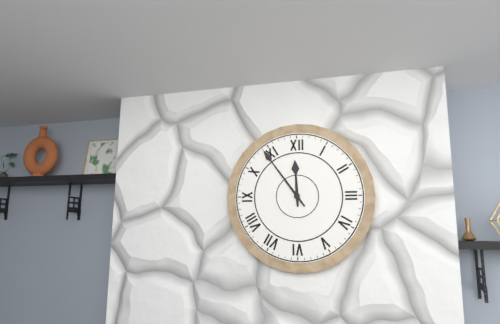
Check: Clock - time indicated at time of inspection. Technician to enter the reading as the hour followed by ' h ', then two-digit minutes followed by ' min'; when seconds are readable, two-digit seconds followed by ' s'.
11 h 54 min
